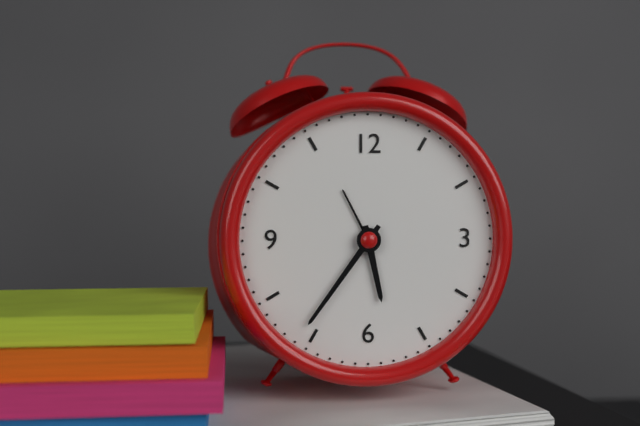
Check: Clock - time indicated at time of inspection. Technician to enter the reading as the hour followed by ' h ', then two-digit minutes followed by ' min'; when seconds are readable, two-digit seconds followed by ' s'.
5 h 36 min
